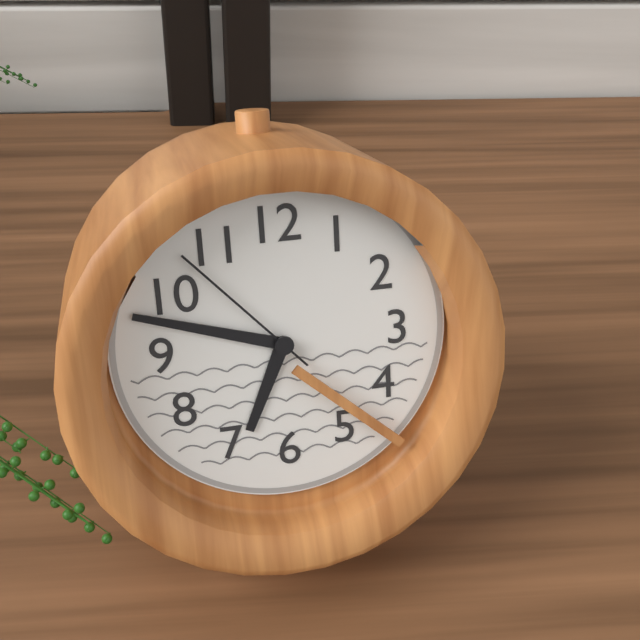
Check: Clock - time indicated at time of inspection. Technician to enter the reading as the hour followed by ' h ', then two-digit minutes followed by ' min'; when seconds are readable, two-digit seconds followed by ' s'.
6 h 48 min 53 s
